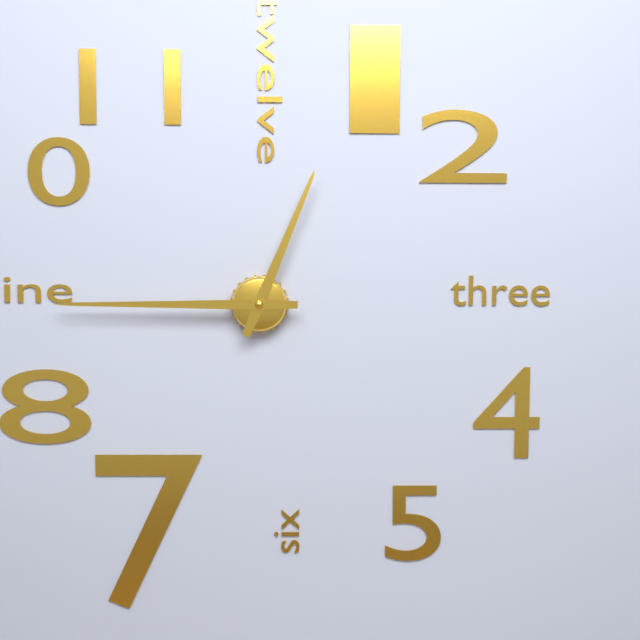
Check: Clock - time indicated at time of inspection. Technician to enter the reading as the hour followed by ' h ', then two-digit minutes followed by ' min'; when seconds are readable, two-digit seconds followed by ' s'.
12 h 45 min
